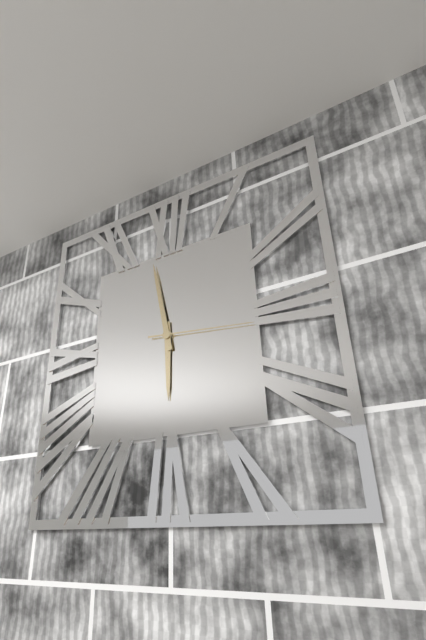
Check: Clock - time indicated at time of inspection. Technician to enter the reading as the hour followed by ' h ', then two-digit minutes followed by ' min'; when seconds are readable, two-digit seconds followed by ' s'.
5 h 58 min 16 s
